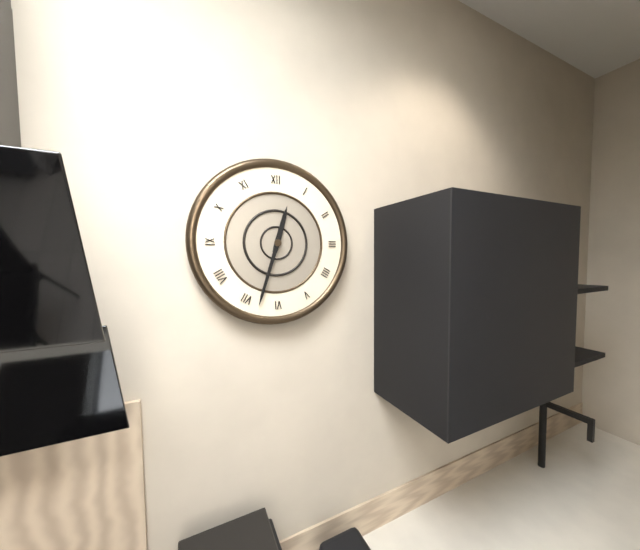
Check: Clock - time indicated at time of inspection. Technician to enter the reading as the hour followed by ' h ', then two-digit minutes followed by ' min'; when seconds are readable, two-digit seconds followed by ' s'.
12 h 33 min
